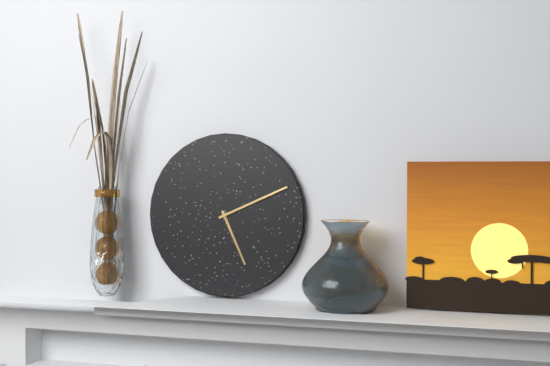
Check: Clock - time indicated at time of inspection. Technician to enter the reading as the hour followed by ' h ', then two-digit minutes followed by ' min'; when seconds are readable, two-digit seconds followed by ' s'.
5 h 11 min
